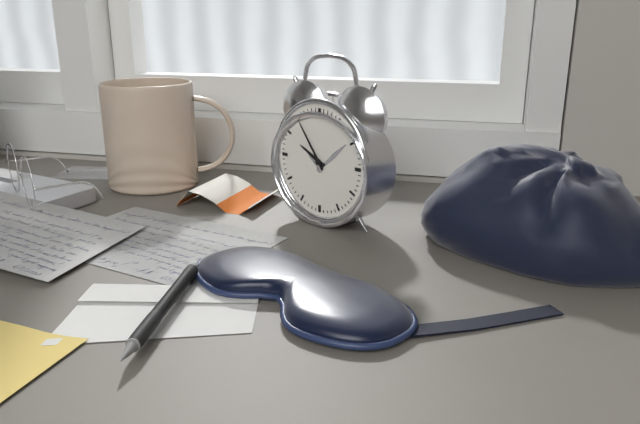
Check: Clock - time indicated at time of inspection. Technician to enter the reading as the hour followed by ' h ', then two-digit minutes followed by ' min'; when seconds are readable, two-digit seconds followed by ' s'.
9 h 54 min
